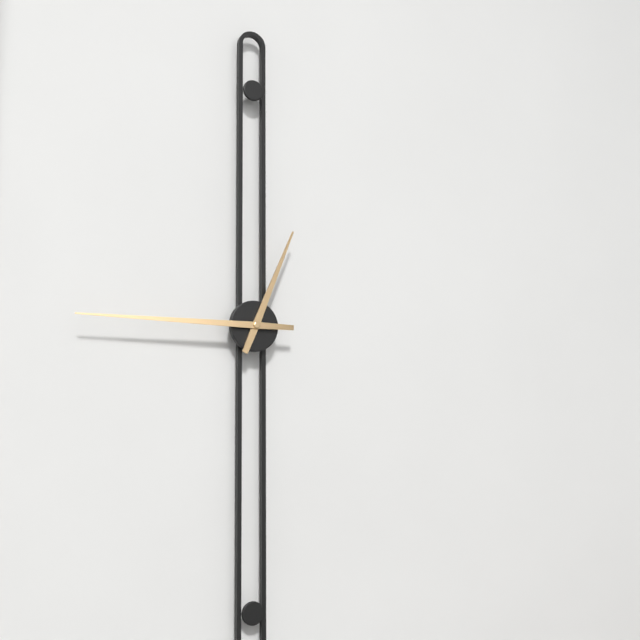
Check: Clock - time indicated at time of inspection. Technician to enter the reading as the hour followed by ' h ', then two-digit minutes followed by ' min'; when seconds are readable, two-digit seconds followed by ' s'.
12 h 45 min
